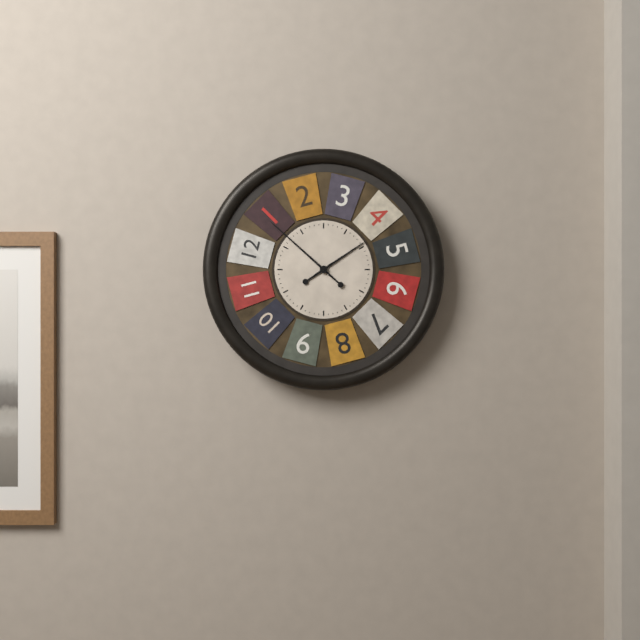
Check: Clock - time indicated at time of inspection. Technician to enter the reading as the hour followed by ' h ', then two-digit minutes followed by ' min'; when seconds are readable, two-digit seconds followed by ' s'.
1 h 52 min
